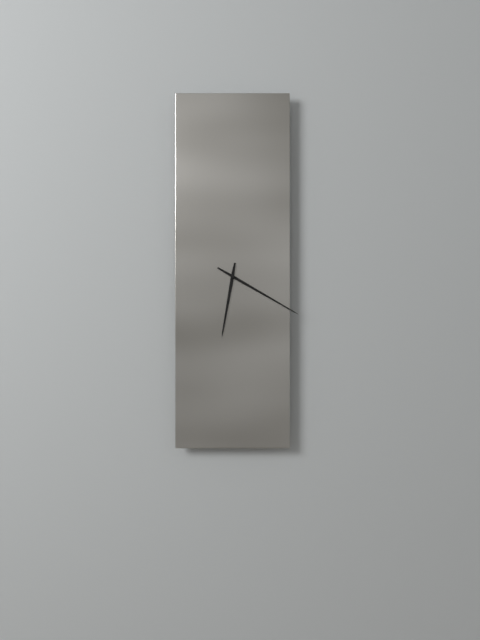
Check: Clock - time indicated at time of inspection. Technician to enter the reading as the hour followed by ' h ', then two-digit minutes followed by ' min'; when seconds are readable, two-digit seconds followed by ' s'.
6 h 20 min
